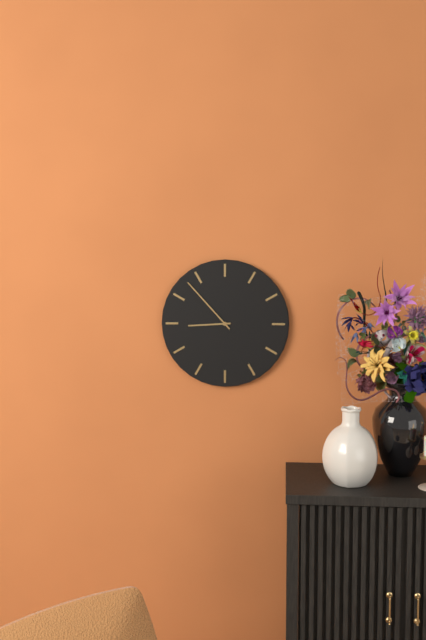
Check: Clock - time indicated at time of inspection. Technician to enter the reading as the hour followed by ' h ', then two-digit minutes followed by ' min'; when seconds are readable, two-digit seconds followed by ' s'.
8 h 53 min
